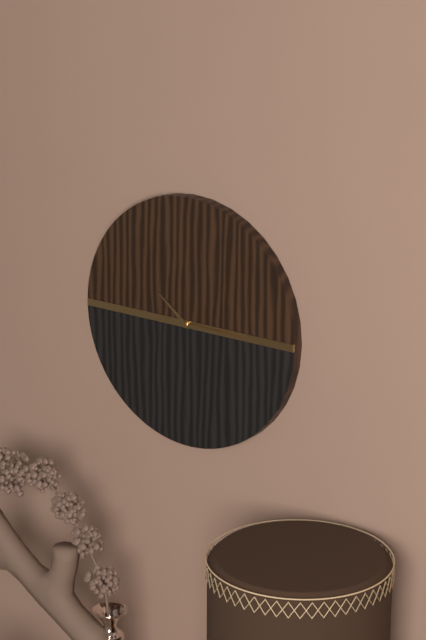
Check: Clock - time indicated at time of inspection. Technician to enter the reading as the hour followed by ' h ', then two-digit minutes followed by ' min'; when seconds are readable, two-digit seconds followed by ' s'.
10 h 15 min
